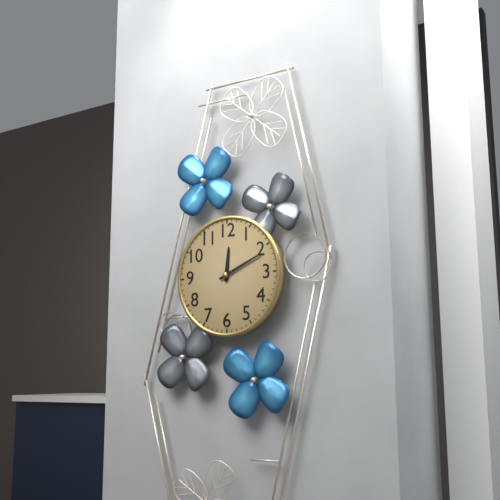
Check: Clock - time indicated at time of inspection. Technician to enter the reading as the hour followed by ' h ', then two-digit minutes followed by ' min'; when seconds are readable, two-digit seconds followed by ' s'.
12 h 11 min
